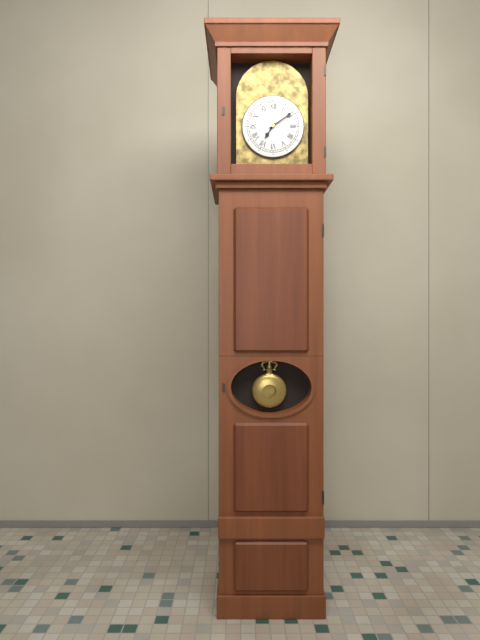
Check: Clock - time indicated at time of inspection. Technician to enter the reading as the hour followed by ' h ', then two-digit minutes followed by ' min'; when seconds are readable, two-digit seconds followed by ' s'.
7 h 09 min
